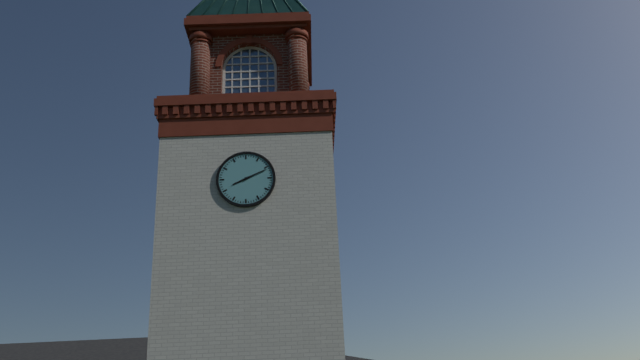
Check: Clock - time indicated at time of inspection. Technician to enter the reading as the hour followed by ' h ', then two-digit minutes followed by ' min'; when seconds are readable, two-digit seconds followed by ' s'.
8 h 11 min
